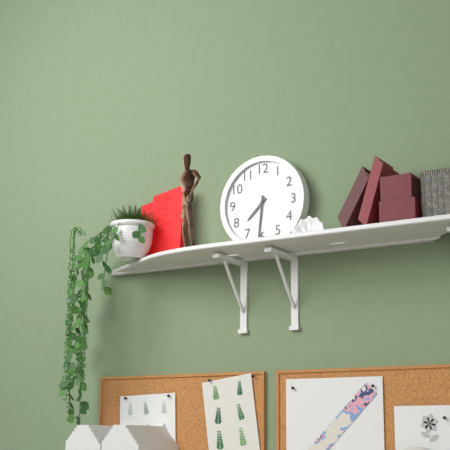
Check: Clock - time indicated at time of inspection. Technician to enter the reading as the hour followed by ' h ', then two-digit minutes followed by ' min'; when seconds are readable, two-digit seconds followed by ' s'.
7 h 31 min
